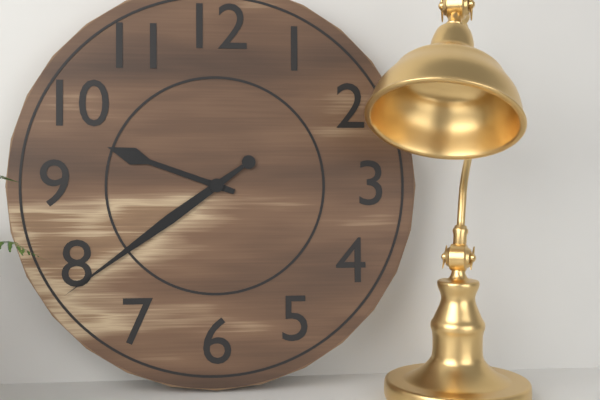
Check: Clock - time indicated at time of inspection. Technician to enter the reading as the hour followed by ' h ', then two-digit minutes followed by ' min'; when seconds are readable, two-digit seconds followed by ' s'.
9 h 39 min
